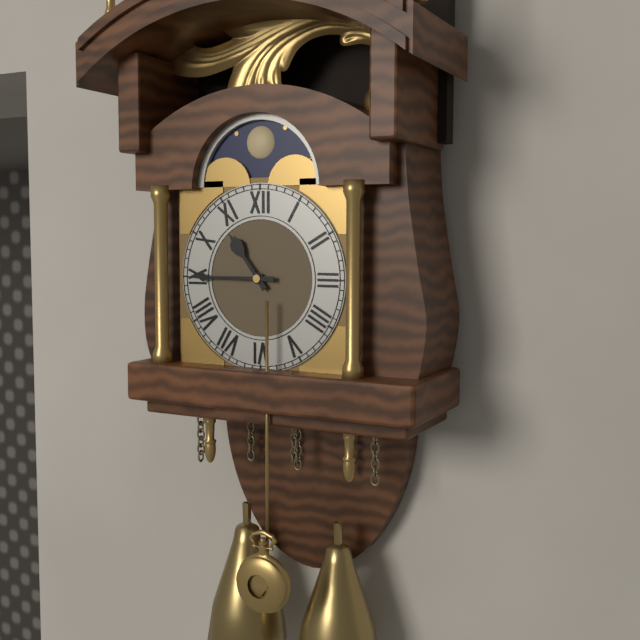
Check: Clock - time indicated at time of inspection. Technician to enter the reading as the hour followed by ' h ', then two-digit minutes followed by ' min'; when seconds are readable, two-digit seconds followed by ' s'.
10 h 45 min
